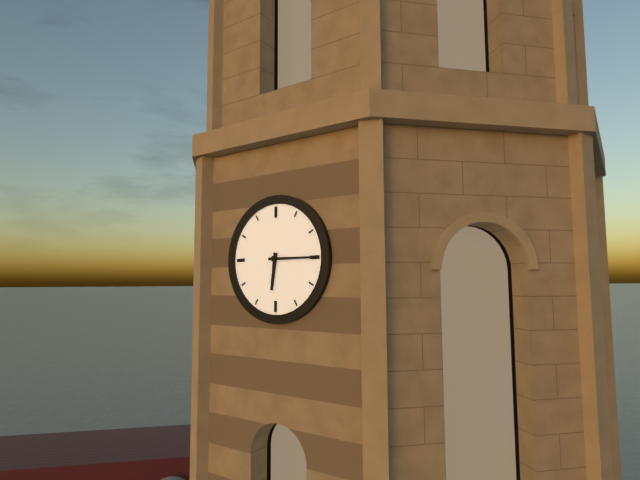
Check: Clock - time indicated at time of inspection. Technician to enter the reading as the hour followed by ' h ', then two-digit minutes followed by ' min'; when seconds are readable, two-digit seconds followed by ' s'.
6 h 15 min
